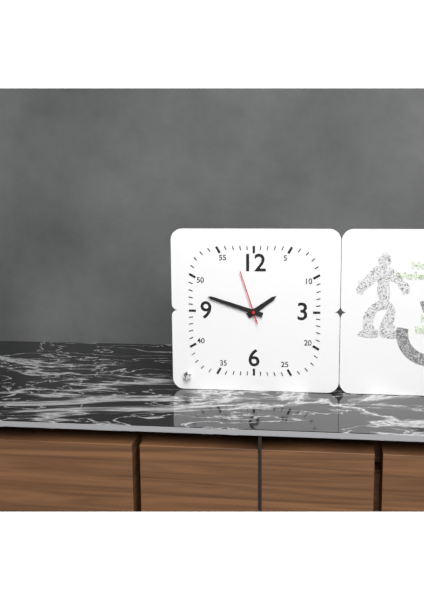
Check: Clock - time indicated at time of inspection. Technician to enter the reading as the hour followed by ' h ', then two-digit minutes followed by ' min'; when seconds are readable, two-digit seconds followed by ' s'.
1 h 48 min 57 s
